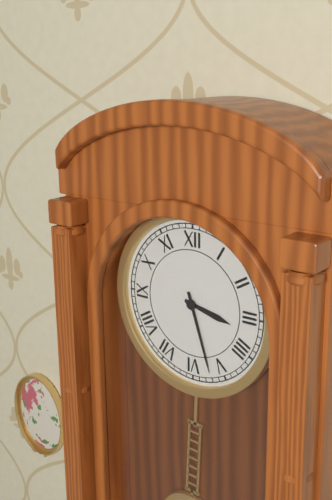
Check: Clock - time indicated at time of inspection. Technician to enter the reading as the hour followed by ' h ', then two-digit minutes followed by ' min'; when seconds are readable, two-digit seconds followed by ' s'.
3 h 27 min
